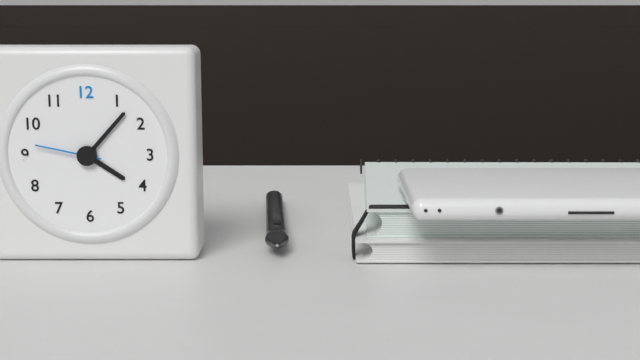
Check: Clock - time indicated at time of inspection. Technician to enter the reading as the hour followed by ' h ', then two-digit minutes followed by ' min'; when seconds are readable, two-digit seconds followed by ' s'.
4 h 07 min 47 s
